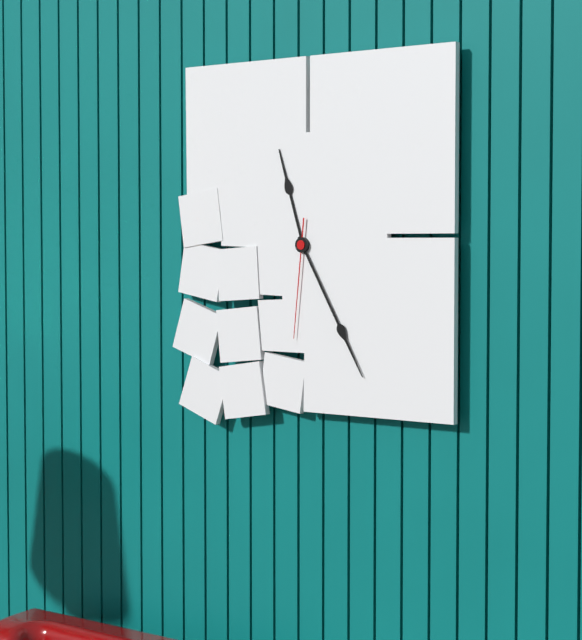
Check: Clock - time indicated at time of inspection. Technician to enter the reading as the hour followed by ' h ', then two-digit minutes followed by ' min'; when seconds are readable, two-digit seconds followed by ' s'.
11 h 25 min 31 s
